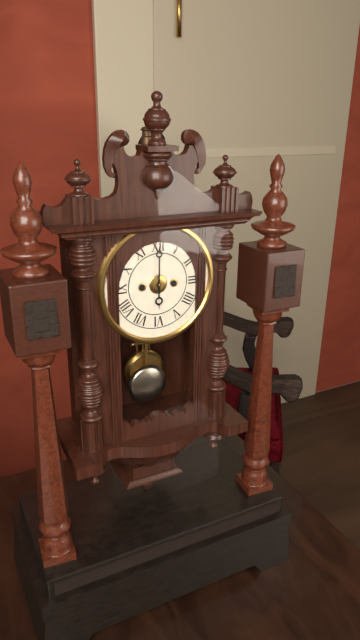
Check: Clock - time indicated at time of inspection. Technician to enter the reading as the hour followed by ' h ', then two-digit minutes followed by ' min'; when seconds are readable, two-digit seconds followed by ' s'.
6 h 00 min
